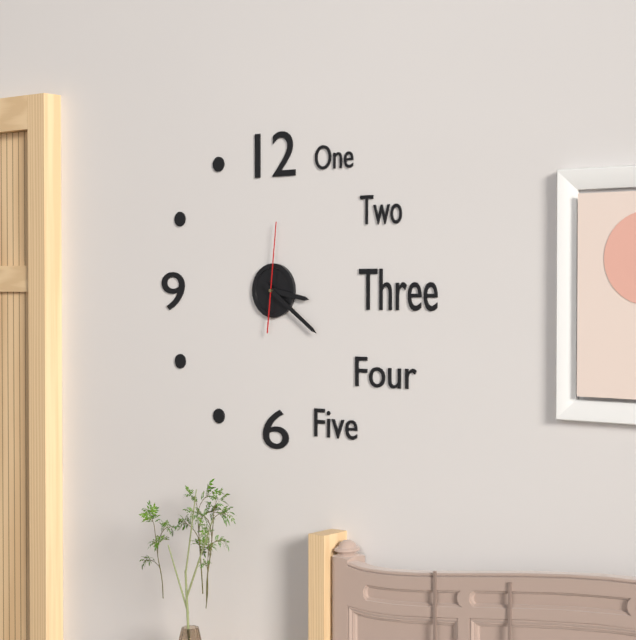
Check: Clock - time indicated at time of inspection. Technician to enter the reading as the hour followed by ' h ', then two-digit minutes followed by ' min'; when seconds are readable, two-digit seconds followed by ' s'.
3 h 21 min 01 s
